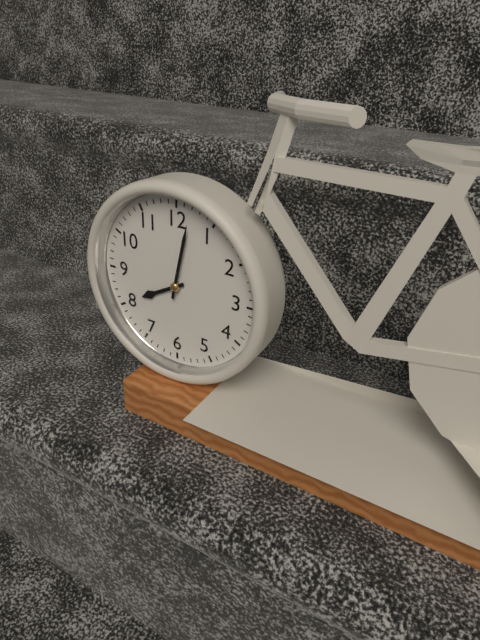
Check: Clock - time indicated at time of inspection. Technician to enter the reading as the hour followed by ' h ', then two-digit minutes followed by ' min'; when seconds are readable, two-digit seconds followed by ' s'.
8 h 02 min
